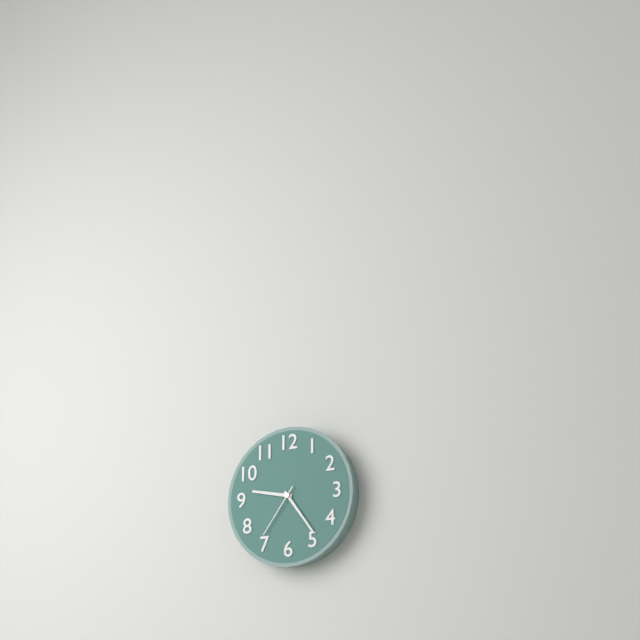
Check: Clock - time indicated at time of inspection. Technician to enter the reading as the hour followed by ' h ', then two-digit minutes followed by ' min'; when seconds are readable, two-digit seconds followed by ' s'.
9 h 24 min 36 s
